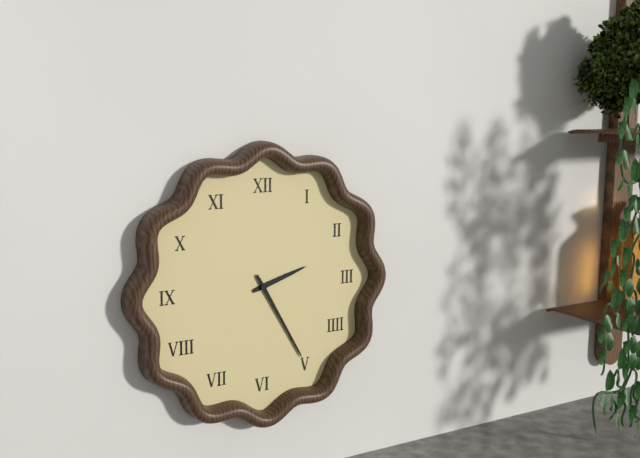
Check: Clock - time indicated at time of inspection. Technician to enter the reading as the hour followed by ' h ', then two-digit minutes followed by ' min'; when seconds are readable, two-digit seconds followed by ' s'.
2 h 25 min
